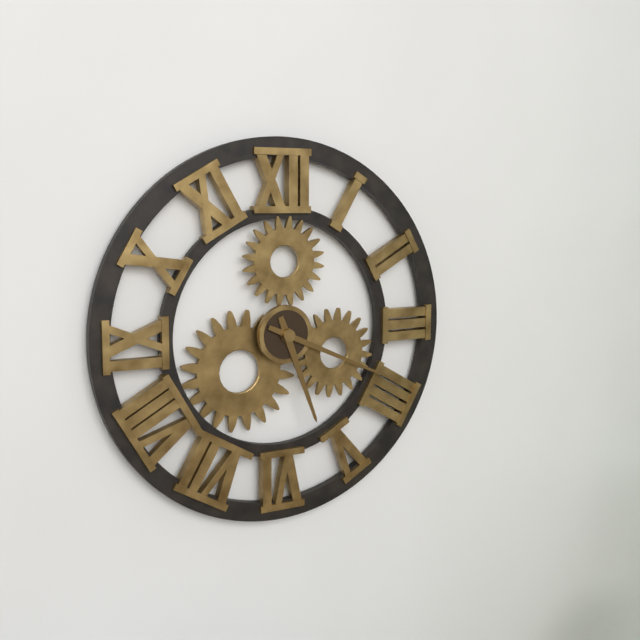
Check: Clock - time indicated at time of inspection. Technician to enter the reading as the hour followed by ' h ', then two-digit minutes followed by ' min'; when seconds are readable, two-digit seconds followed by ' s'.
5 h 19 min
